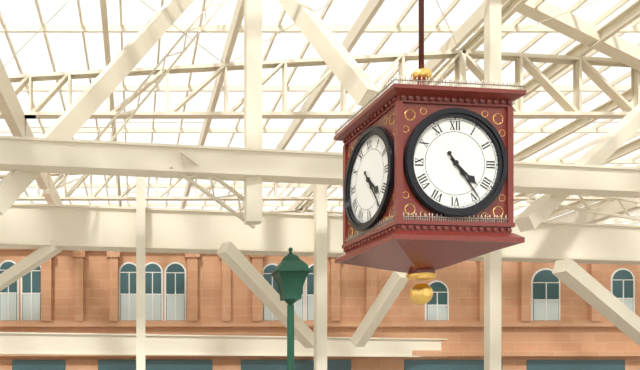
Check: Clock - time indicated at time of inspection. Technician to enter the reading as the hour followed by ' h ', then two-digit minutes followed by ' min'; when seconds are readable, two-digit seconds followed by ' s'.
4 h 24 min
